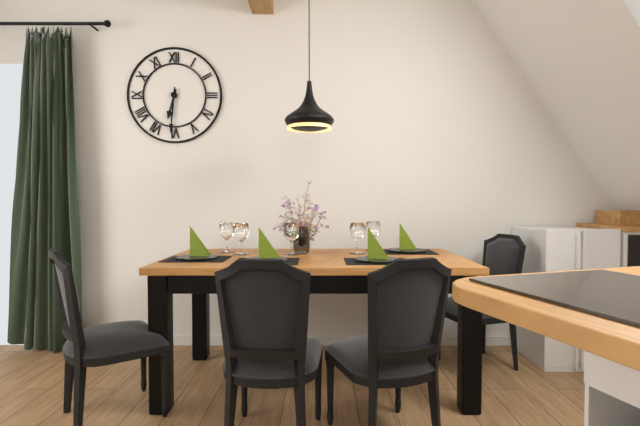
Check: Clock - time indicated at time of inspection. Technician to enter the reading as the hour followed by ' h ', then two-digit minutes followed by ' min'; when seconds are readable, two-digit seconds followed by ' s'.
6 h 31 min
